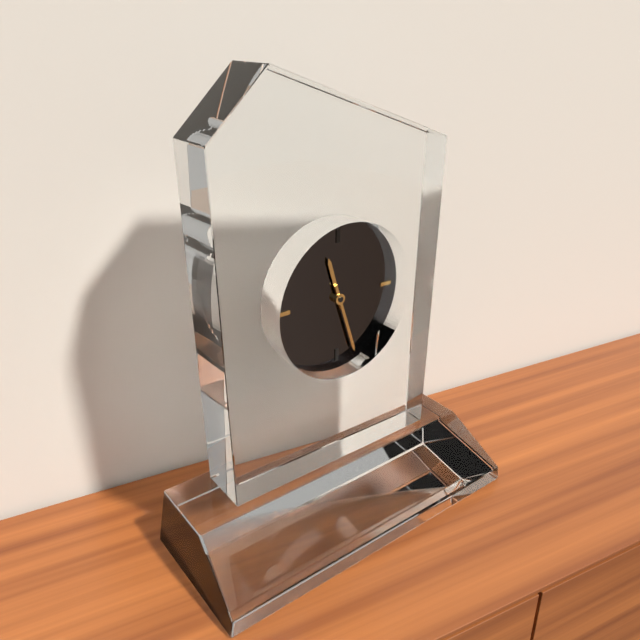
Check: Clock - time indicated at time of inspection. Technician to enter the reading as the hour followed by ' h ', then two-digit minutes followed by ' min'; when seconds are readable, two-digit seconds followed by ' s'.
11 h 27 min
